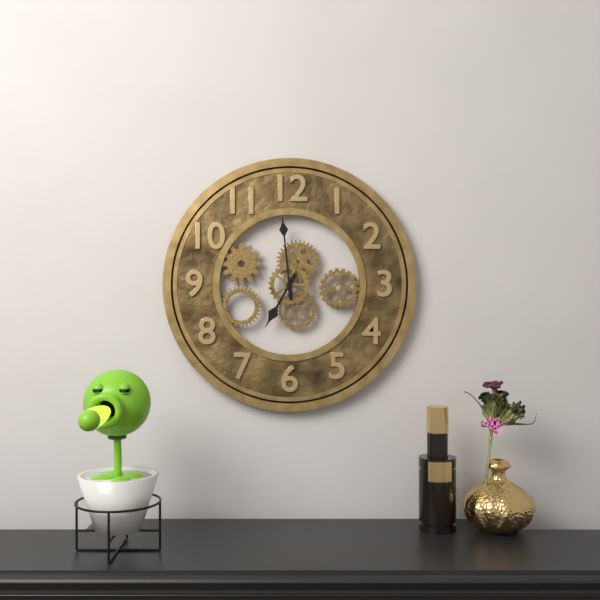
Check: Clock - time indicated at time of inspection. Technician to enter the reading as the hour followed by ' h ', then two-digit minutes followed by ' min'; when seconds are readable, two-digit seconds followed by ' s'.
6 h 59 min
